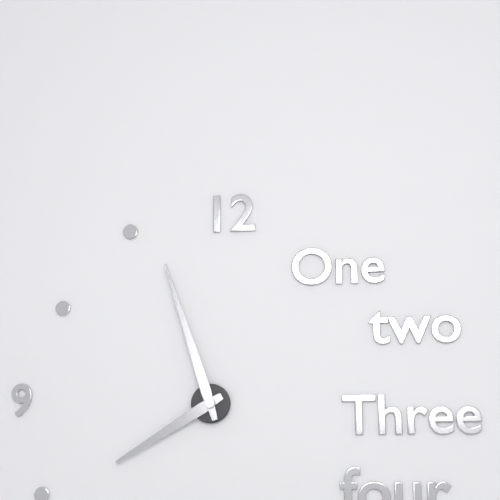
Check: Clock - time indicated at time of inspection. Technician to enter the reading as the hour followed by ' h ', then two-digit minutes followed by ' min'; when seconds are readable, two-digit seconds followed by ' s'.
7 h 57 min
